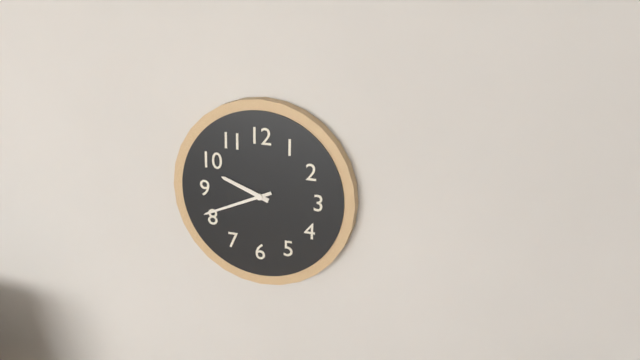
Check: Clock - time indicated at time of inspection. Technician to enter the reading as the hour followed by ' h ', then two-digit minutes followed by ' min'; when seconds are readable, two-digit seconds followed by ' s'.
9 h 41 min
